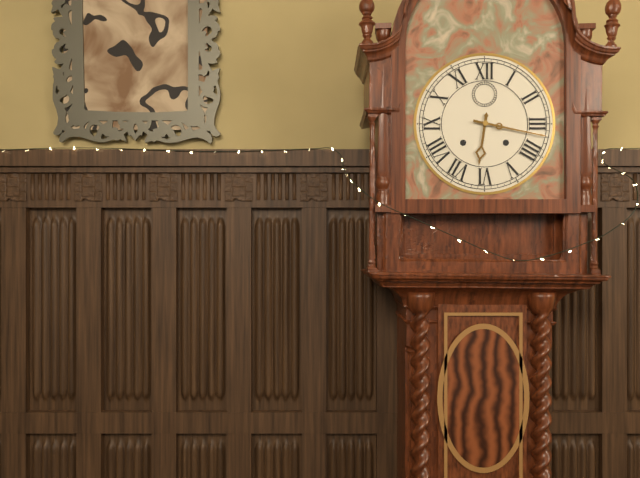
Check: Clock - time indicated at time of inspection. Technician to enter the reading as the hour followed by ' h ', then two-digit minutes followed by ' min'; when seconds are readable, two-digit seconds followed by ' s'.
6 h 17 min
